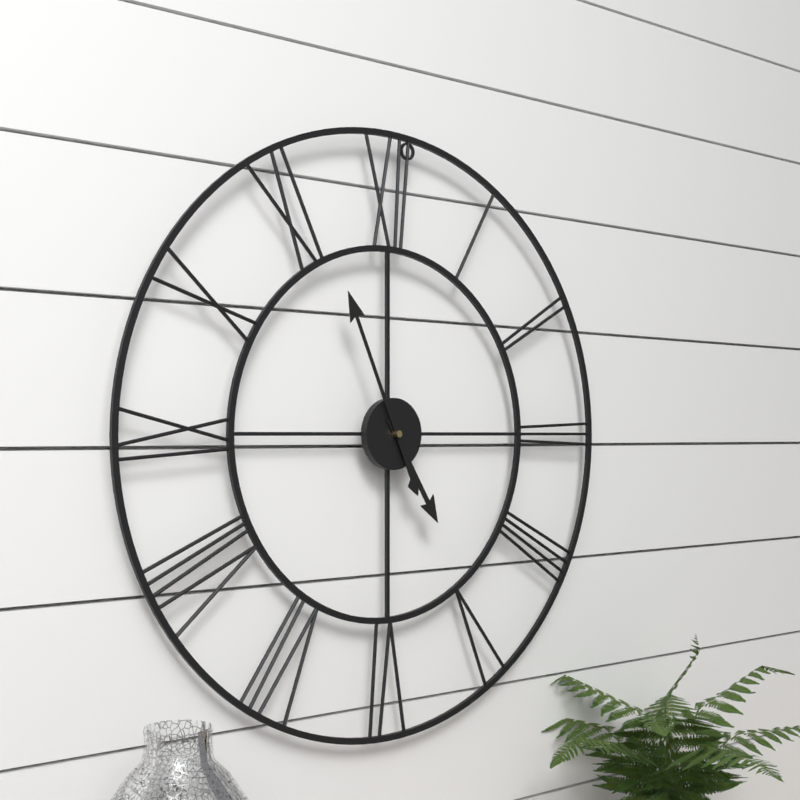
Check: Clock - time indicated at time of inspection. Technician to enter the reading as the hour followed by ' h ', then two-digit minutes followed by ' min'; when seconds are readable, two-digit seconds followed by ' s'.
4 h 56 min
